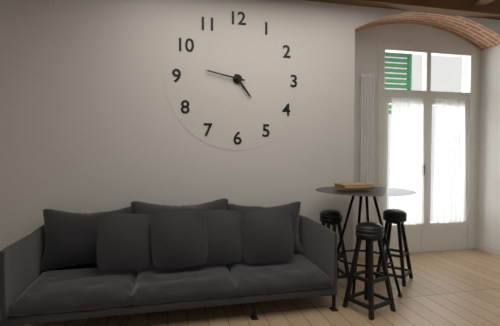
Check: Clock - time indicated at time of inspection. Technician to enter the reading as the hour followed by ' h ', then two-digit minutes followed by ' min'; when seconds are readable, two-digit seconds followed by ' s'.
4 h 47 min
